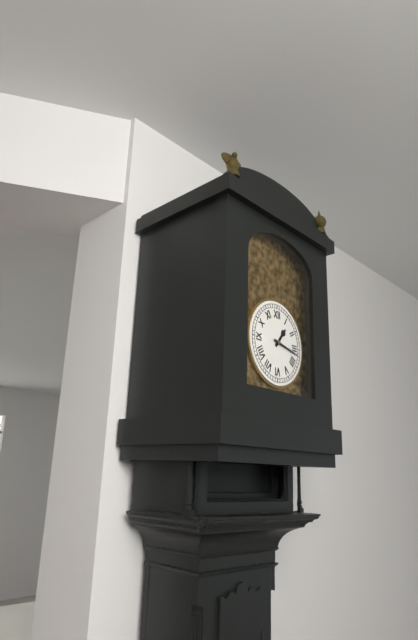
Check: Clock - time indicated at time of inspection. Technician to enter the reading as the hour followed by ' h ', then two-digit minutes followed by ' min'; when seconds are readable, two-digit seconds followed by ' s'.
1 h 17 min
